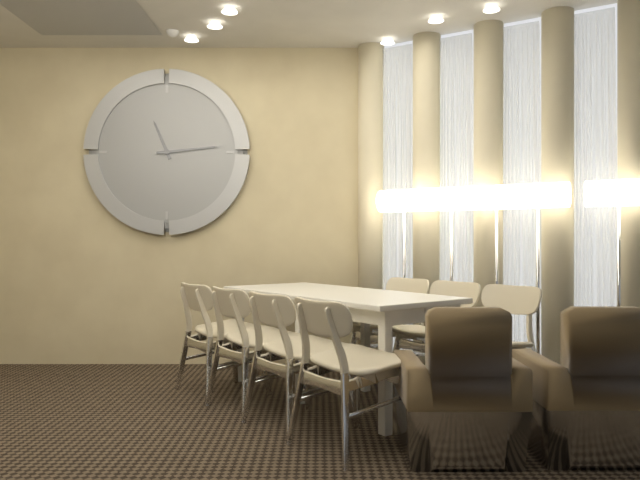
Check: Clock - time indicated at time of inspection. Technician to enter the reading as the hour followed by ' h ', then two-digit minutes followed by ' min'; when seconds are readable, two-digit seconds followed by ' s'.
11 h 14 min
